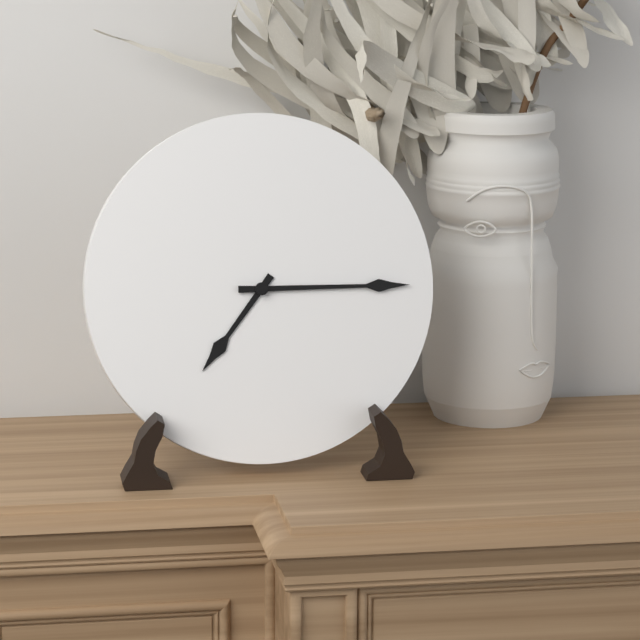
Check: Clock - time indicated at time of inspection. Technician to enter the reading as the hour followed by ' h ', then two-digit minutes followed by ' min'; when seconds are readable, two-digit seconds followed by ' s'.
7 h 15 min
